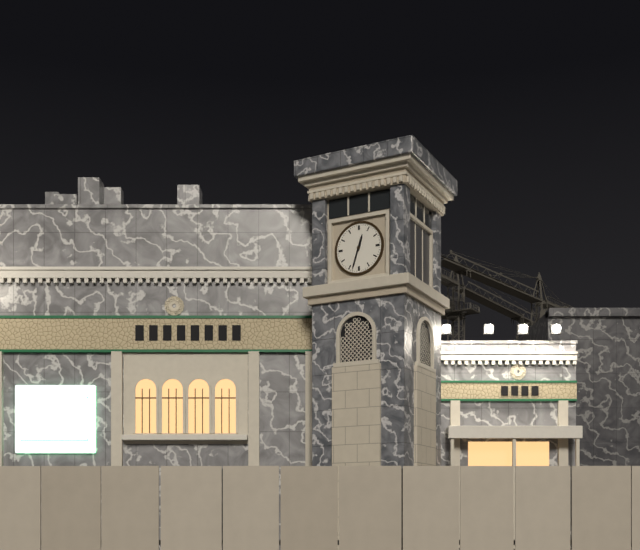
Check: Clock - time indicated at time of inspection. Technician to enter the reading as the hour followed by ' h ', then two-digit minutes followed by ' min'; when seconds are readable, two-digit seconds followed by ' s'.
12 h 33 min
